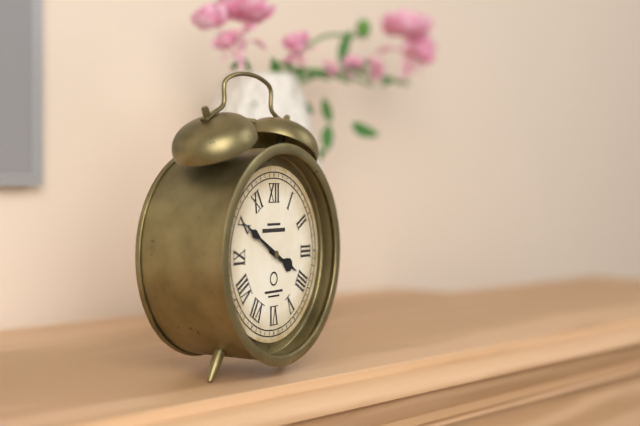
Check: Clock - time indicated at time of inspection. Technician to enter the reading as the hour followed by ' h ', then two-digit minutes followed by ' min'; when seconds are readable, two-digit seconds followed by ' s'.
3 h 50 min
